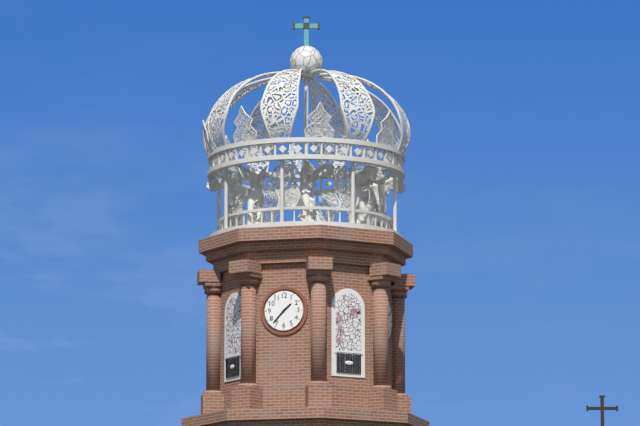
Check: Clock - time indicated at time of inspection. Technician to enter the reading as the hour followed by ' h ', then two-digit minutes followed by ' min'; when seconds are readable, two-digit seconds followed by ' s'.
1 h 37 min
